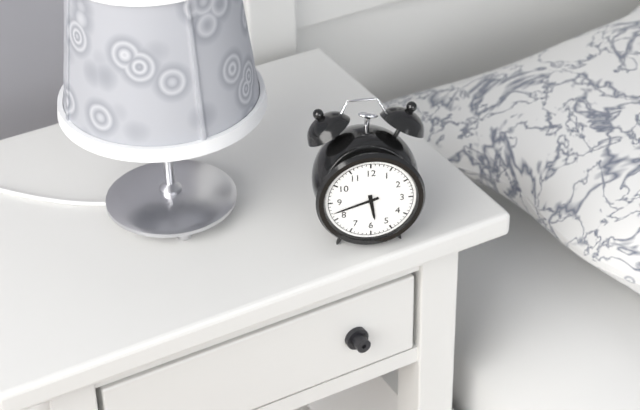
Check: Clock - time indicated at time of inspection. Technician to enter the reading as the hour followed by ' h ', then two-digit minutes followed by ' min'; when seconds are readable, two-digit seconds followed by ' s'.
5 h 42 min
